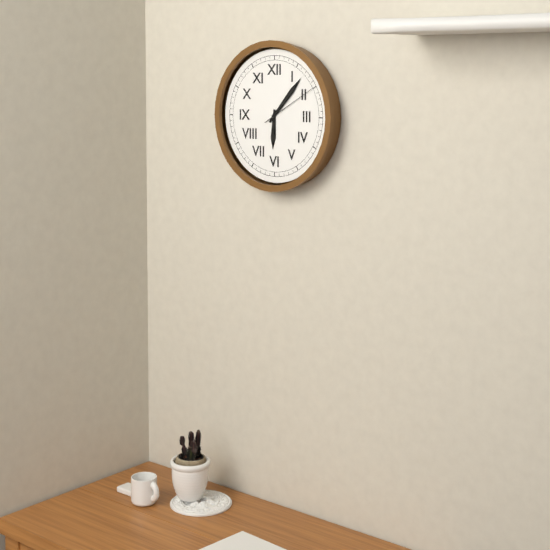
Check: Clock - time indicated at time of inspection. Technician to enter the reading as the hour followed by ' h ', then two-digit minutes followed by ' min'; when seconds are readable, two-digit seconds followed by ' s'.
6 h 07 min 10 s
